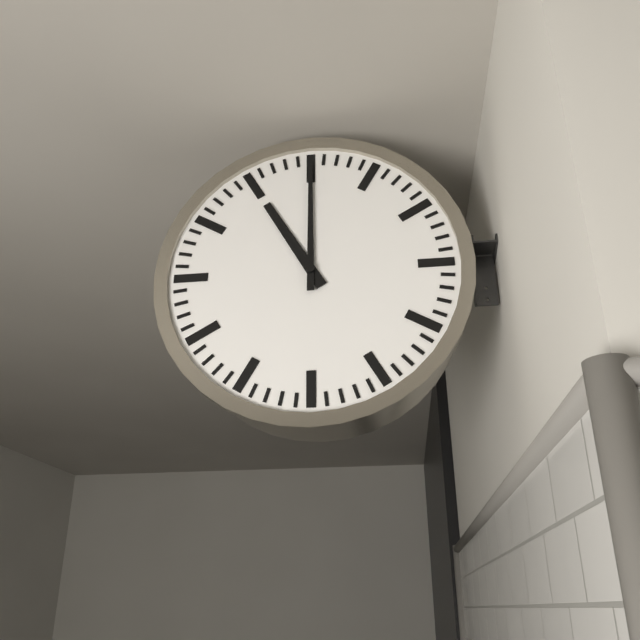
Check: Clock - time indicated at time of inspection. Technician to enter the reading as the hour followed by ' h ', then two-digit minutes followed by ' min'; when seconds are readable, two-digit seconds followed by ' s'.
11 h 00 min
